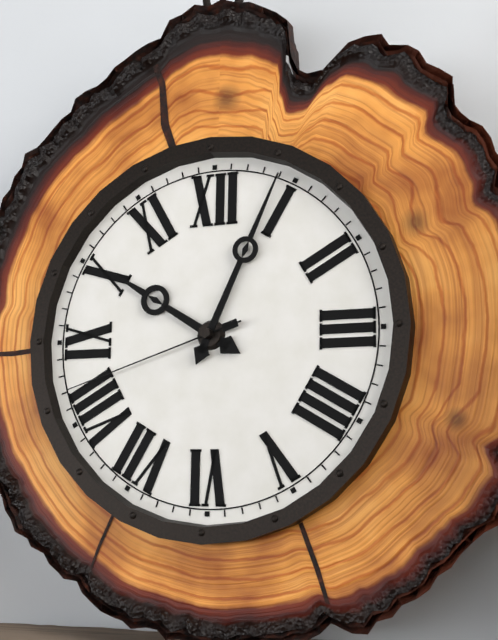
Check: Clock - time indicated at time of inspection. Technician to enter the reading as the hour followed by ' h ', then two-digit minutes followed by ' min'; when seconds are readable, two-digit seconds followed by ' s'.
10 h 04 min 42 s
